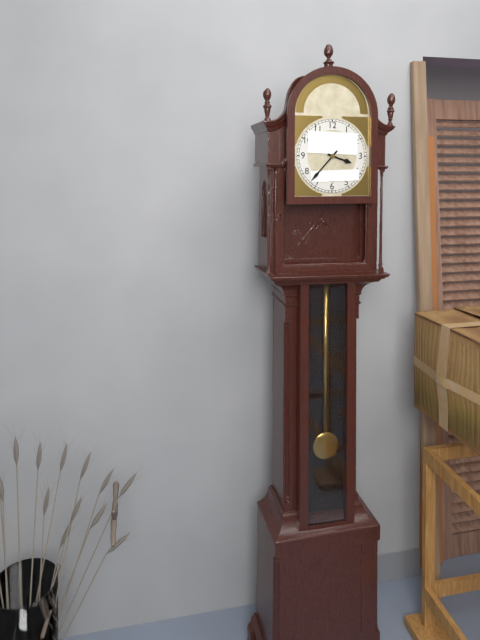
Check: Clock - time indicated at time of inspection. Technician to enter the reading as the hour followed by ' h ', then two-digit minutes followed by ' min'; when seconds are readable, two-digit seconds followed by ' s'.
3 h 37 min
